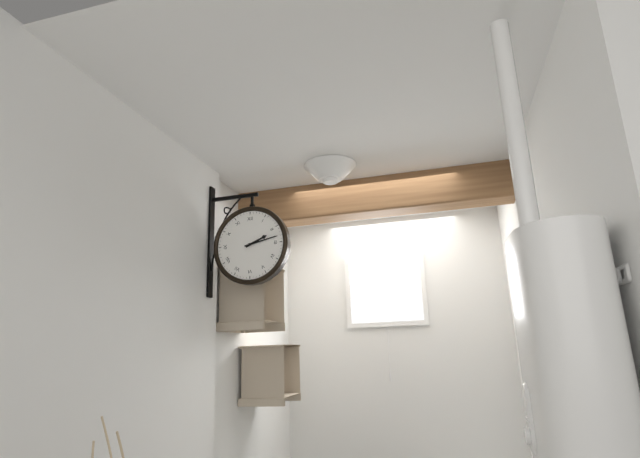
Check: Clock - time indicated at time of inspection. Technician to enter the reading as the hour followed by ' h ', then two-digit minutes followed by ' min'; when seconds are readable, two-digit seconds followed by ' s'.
2 h 13 min
